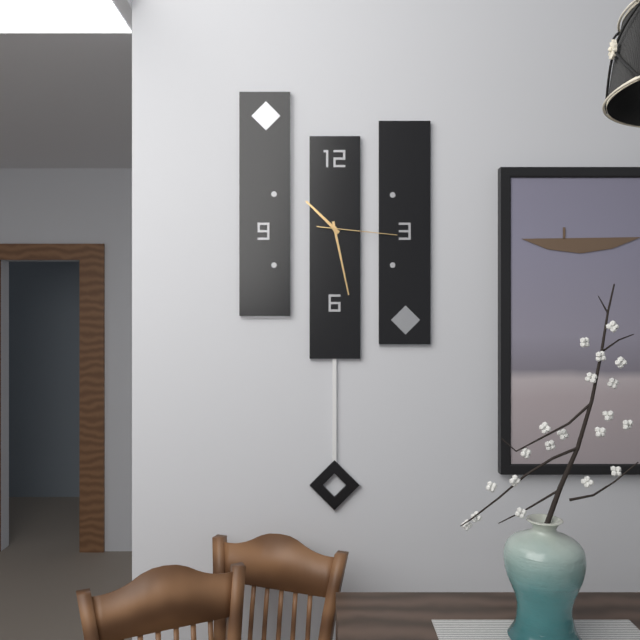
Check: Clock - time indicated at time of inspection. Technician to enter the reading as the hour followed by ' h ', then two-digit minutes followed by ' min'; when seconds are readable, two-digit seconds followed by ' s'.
10 h 28 min 16 s
